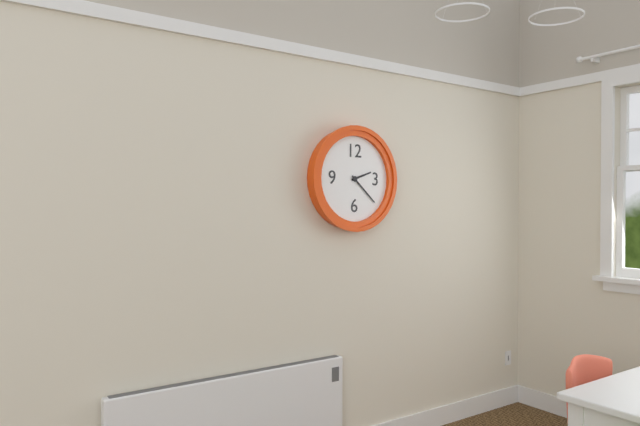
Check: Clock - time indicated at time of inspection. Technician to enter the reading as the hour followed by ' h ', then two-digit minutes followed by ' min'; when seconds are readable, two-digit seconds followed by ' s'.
2 h 22 min
